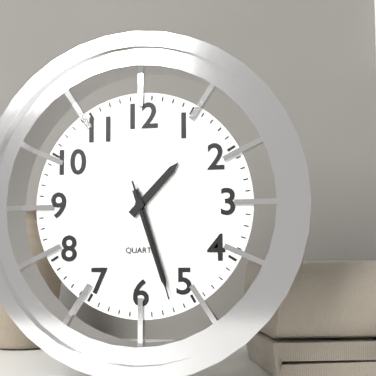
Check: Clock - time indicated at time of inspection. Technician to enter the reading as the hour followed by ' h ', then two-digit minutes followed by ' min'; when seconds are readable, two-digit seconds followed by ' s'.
1 h 27 min 27 s
